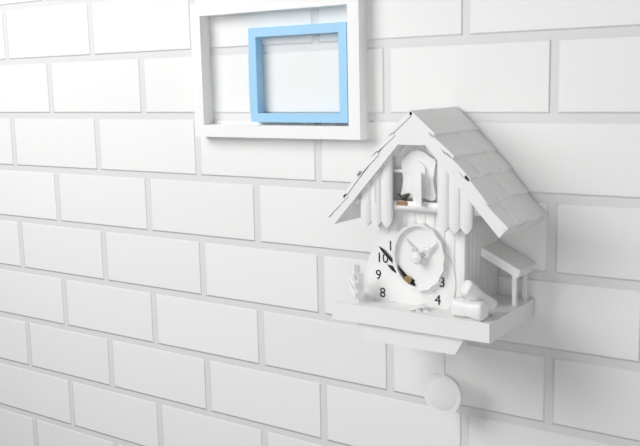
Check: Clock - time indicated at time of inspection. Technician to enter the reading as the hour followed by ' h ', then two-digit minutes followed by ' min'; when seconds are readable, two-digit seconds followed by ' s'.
9 h 52 min
